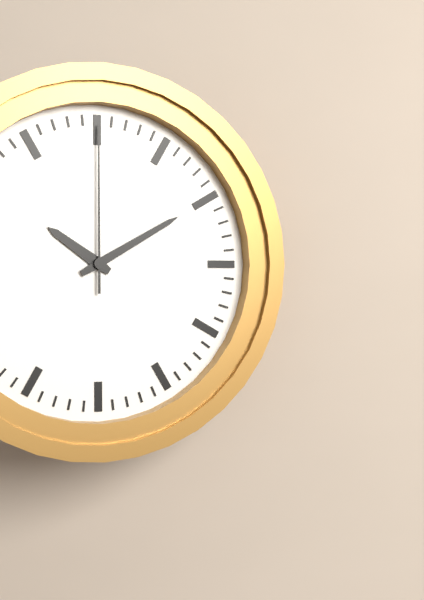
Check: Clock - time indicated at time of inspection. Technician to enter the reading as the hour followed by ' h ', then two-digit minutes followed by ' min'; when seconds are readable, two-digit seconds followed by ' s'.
10 h 10 min 00 s
